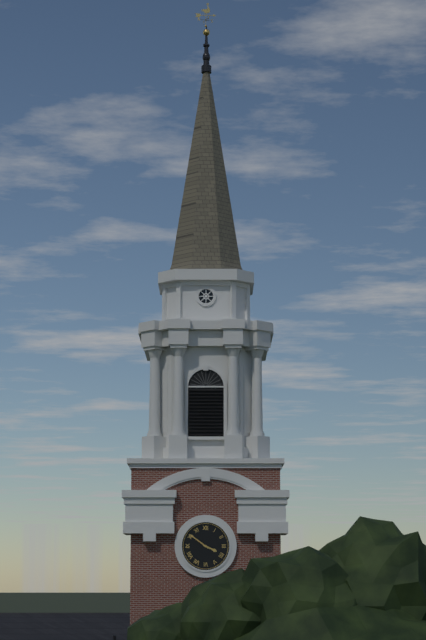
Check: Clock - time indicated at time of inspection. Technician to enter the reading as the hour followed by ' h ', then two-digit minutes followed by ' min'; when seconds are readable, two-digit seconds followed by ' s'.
3 h 51 min
